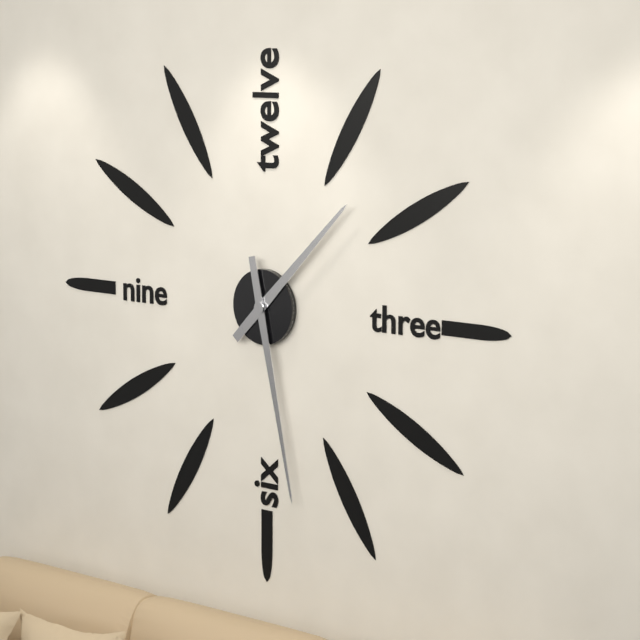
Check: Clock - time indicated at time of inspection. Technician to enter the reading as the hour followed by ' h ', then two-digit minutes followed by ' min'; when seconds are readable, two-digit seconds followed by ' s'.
1 h 28 min
